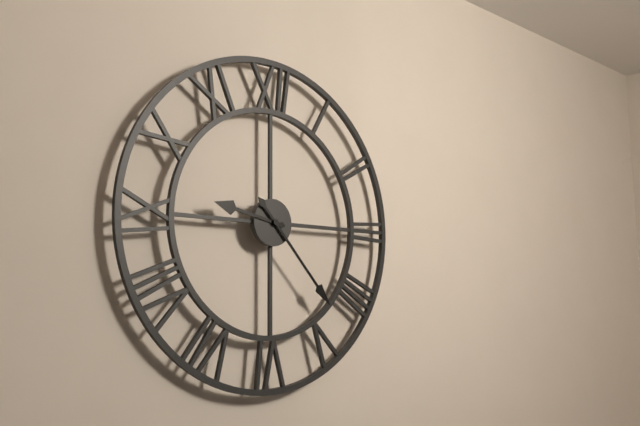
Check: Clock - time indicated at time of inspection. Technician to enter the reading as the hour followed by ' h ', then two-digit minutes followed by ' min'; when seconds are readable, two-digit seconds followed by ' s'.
9 h 23 min
